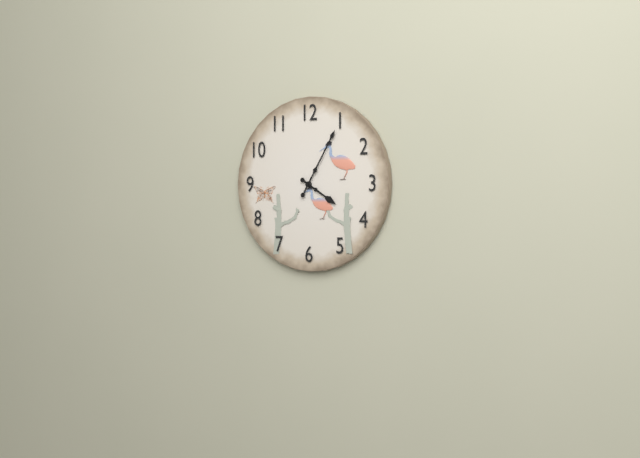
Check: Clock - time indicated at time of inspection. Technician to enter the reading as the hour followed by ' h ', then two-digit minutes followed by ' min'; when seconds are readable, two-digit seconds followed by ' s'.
4 h 05 min
